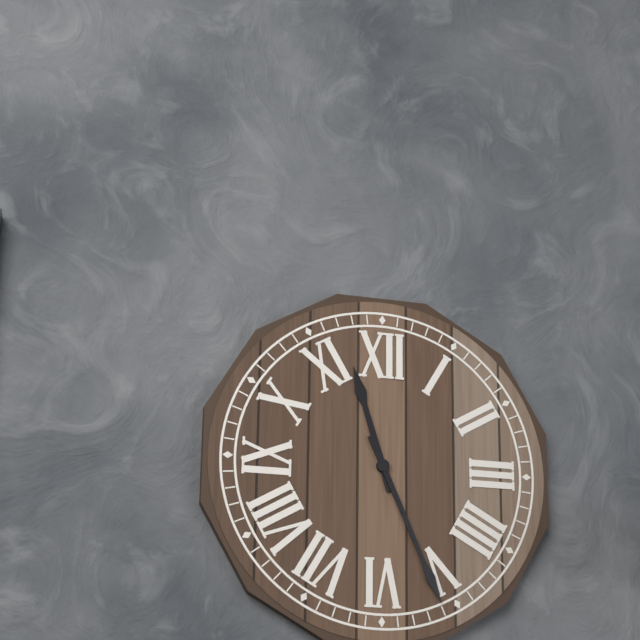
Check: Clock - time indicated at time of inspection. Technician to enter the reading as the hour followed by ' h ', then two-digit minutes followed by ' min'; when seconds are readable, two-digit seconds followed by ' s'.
11 h 26 min
